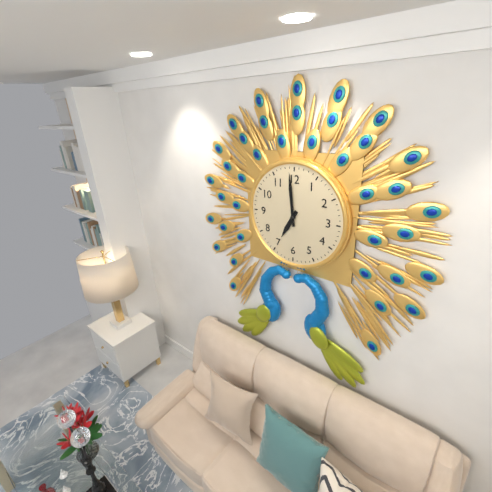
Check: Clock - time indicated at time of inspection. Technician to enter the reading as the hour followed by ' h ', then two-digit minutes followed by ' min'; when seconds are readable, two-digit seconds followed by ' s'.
6 h 59 min
